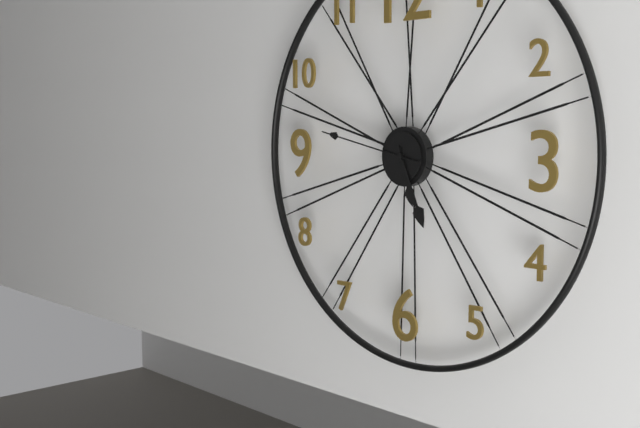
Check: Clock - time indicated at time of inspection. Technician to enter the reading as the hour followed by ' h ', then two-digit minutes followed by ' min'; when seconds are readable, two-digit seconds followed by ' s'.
5 h 26 min 47 s
